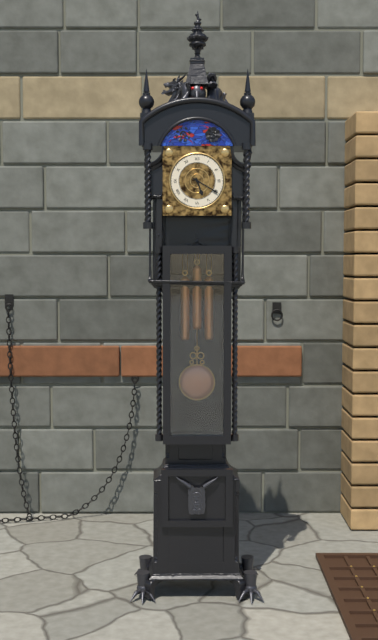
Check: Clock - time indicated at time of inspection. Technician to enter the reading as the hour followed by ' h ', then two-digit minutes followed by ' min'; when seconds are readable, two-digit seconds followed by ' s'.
5 h 20 min
